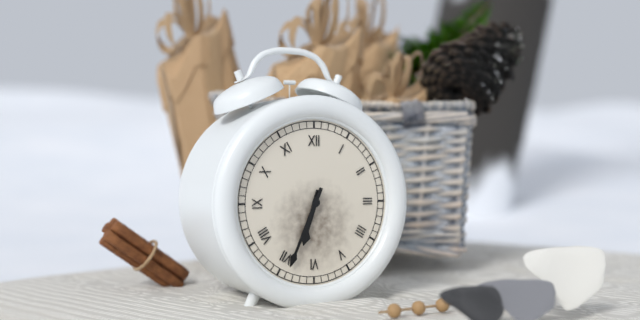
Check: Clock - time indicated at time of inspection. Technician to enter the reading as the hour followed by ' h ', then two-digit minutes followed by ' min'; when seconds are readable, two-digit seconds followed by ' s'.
6 h 34 min
